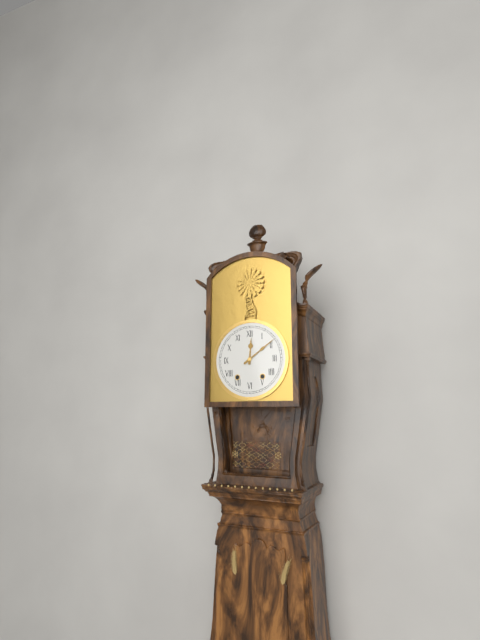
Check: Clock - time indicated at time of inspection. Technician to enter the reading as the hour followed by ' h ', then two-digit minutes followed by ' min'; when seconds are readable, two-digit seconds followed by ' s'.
12 h 09 min
